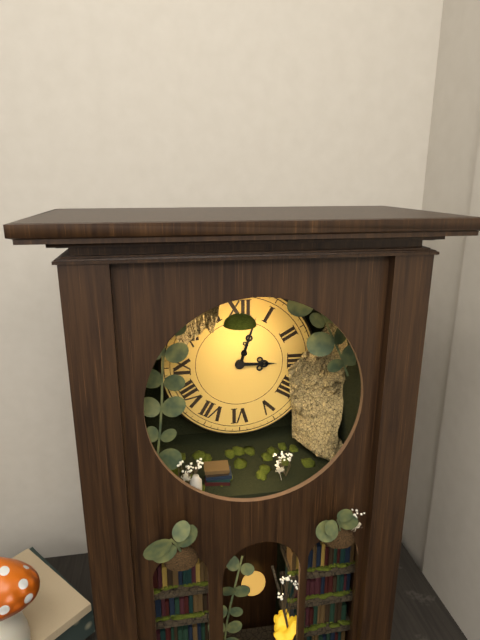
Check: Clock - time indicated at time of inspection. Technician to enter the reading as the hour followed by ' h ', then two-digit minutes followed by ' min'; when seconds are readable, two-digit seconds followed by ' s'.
3 h 03 min
